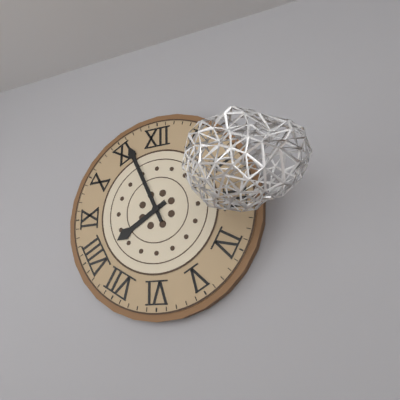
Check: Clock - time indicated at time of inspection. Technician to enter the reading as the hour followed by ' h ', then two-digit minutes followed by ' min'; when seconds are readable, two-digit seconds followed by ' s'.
7 h 56 min
